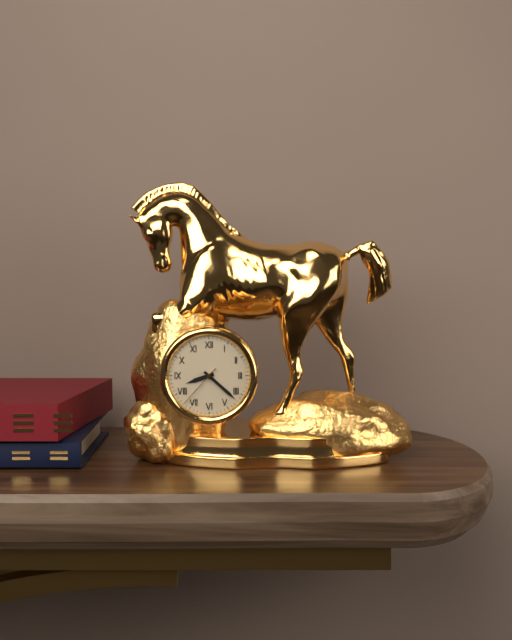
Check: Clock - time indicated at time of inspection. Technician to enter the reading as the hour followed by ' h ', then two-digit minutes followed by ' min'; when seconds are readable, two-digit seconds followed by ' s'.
8 h 22 min
